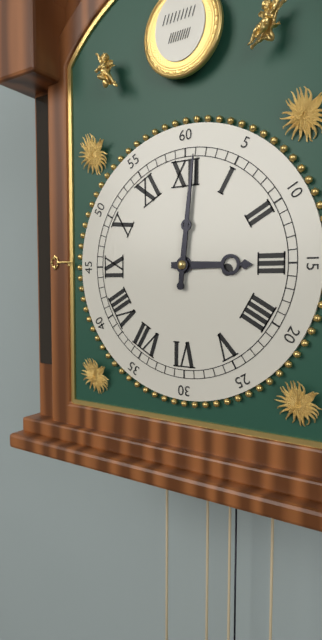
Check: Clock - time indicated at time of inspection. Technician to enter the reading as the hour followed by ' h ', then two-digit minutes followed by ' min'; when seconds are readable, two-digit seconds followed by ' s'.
3 h 01 min
